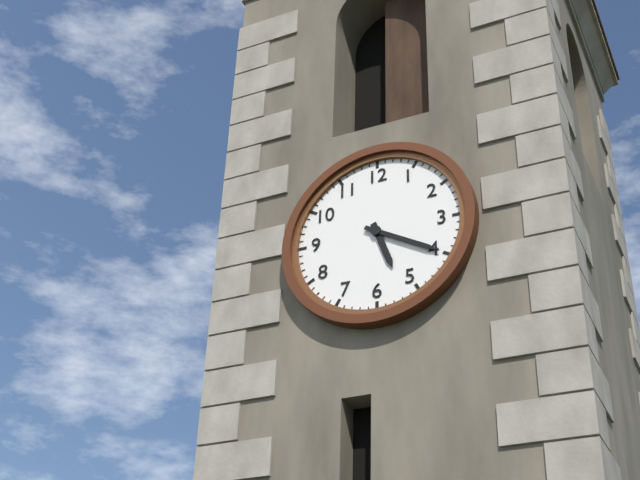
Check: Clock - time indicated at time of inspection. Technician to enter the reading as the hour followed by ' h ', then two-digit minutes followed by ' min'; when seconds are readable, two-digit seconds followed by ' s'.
5 h 20 min
